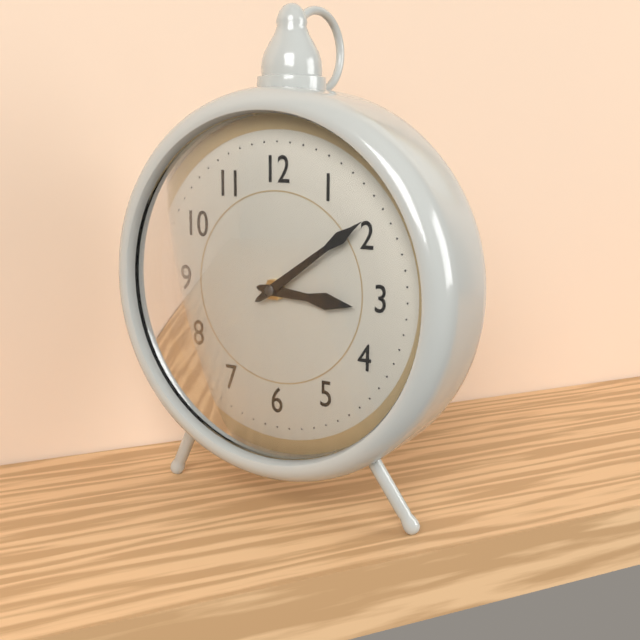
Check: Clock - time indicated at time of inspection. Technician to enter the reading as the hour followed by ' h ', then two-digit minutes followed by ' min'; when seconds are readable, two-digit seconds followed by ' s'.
3 h 09 min
